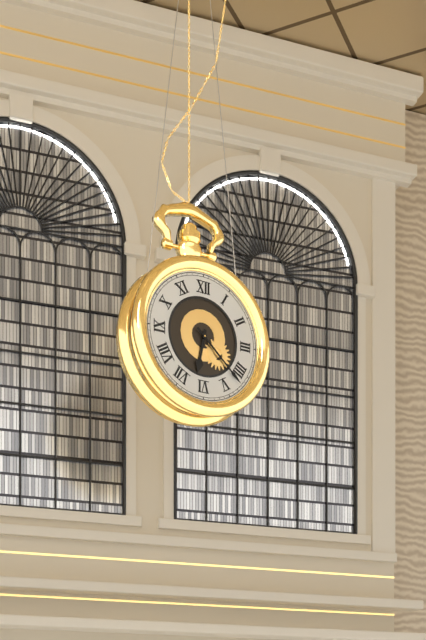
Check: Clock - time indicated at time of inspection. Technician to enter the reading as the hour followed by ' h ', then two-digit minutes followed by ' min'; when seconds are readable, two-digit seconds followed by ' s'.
6 h 22 min
